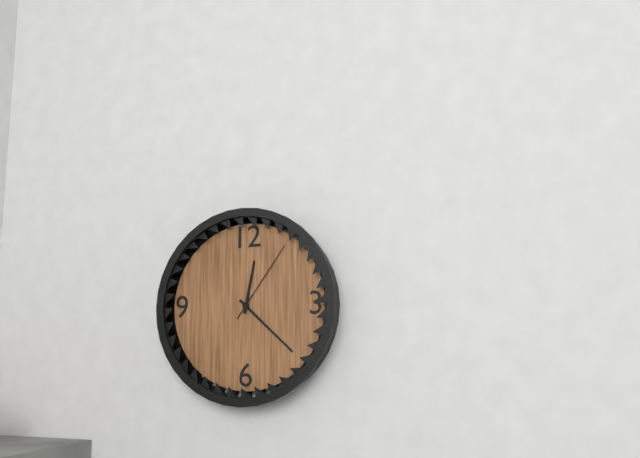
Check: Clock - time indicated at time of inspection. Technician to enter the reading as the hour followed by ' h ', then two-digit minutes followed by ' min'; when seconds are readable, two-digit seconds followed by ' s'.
12 h 22 min 06 s
